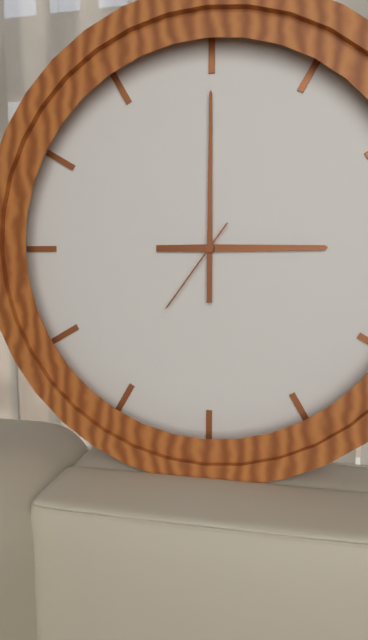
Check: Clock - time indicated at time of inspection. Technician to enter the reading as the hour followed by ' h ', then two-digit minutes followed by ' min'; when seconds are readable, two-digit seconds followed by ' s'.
3 h 00 min 36 s
